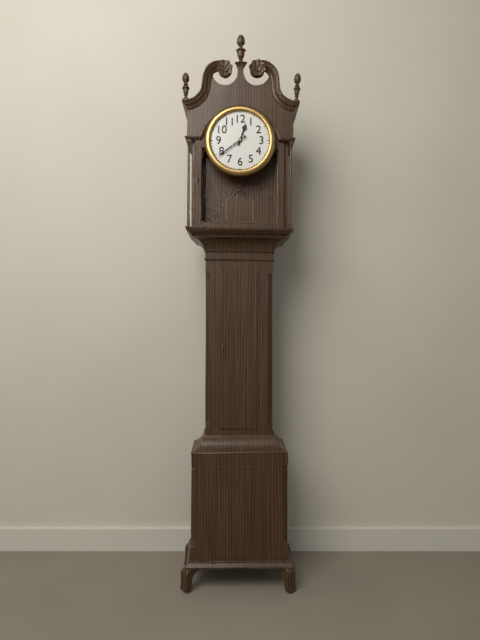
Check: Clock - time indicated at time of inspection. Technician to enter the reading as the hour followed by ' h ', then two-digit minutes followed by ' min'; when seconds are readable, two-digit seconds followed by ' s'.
12 h 39 min
